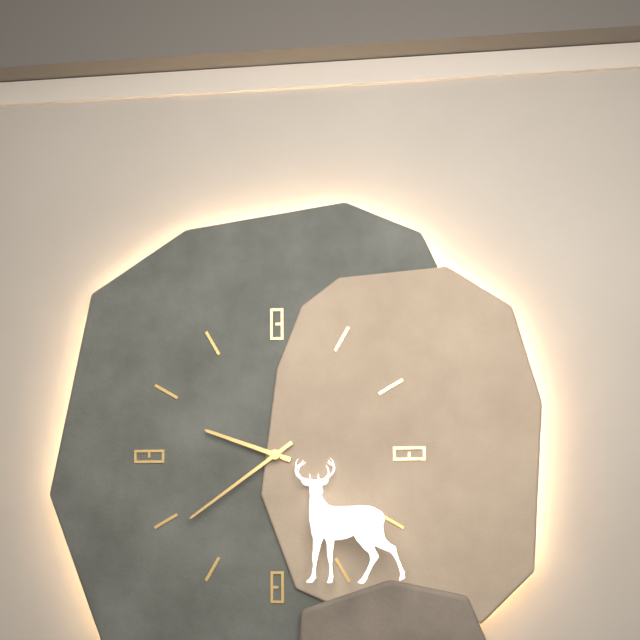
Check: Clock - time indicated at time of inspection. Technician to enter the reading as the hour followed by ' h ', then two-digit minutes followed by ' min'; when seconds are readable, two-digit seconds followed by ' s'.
9 h 39 min
